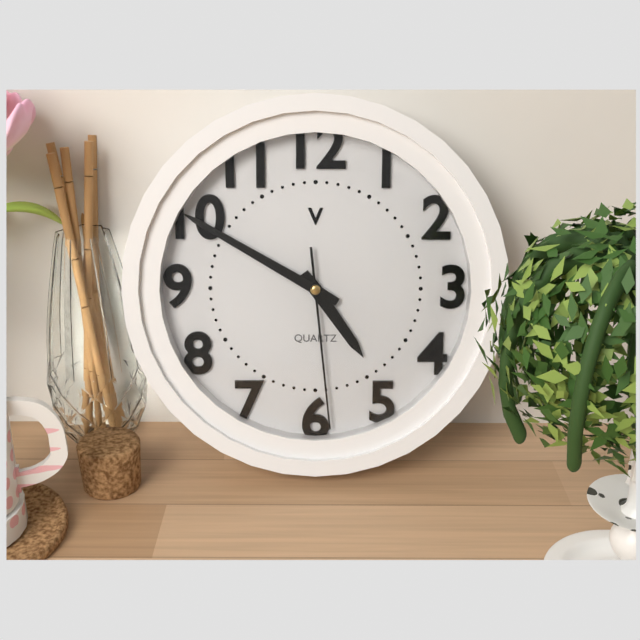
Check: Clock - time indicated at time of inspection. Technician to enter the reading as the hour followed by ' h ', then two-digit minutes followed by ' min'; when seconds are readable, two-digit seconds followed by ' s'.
4 h 50 min 29 s
